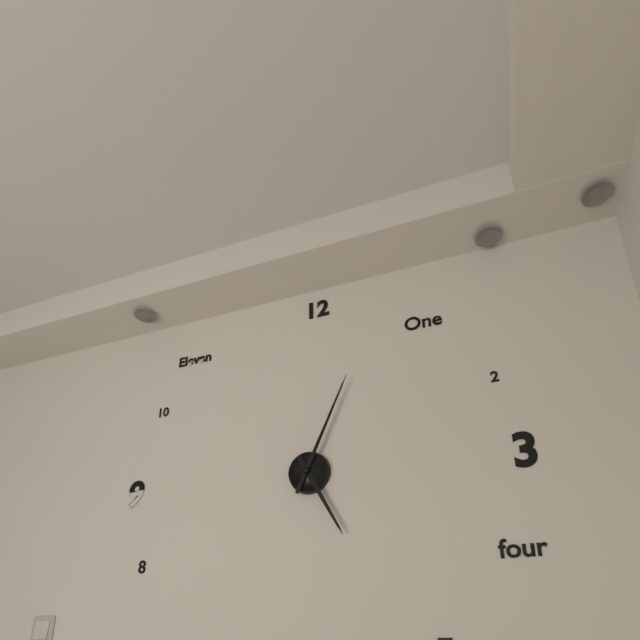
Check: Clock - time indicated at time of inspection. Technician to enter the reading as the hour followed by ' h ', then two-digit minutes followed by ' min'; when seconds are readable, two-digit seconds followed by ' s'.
5 h 04 min
